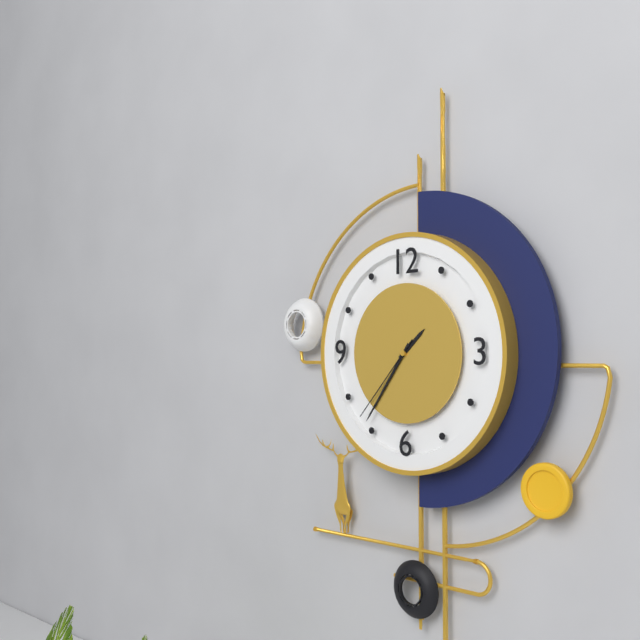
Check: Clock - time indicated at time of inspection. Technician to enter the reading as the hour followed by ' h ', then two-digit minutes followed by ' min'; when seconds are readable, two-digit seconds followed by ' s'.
1 h 36 min 37 s
